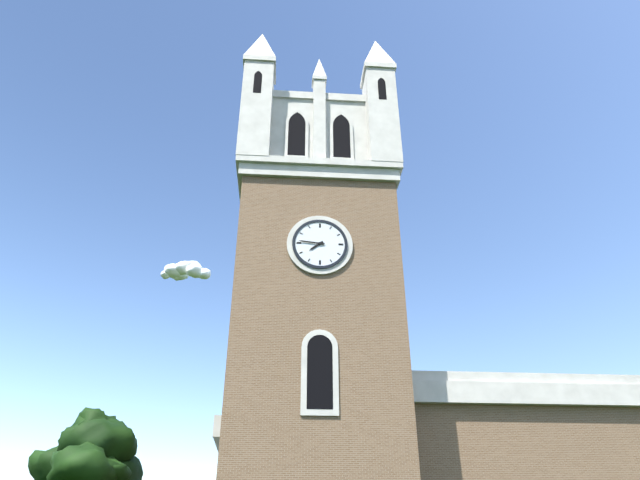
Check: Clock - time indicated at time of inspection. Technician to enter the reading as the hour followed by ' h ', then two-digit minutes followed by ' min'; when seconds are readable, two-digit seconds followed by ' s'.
7 h 46 min
